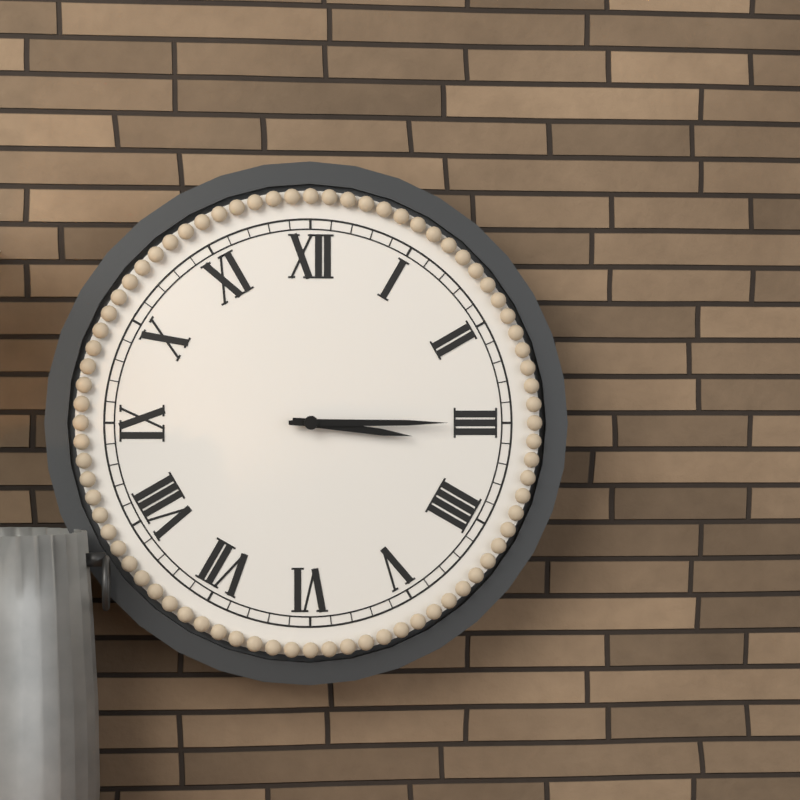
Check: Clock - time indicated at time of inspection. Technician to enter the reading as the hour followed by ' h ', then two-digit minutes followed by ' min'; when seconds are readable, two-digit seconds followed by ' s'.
3 h 15 min
